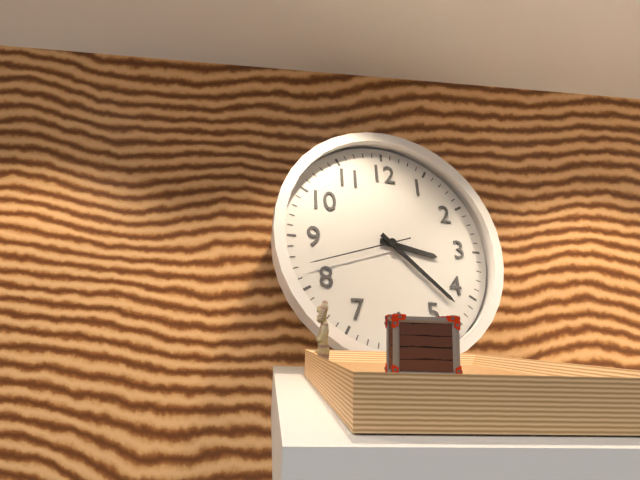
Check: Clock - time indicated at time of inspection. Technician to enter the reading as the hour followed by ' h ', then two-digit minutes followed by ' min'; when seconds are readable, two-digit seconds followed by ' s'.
3 h 22 min 42 s
